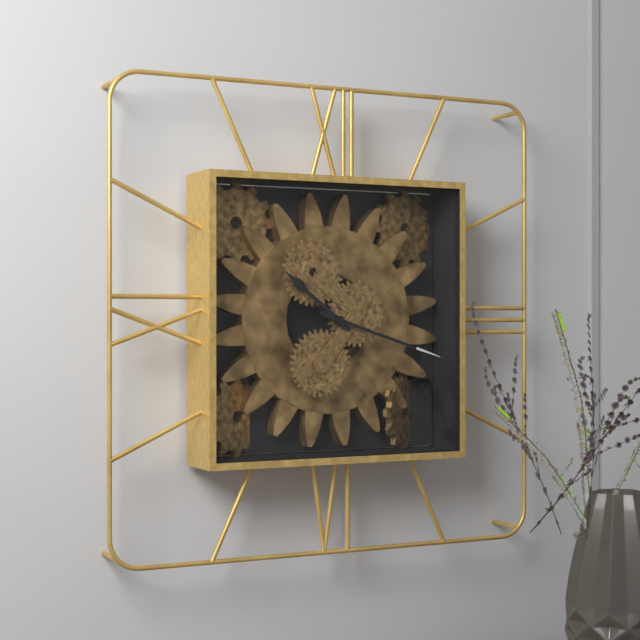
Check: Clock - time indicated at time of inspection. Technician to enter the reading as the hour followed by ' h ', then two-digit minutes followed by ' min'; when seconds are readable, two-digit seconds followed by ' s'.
10 h 18 min
